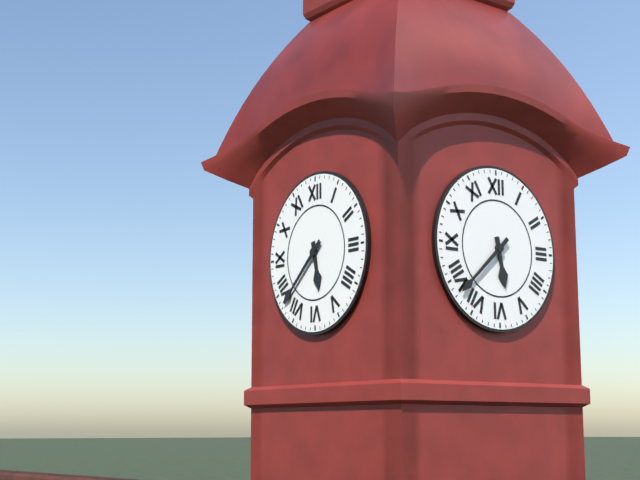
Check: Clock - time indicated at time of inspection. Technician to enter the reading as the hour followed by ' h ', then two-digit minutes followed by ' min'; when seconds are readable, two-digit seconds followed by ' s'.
5 h 38 min
